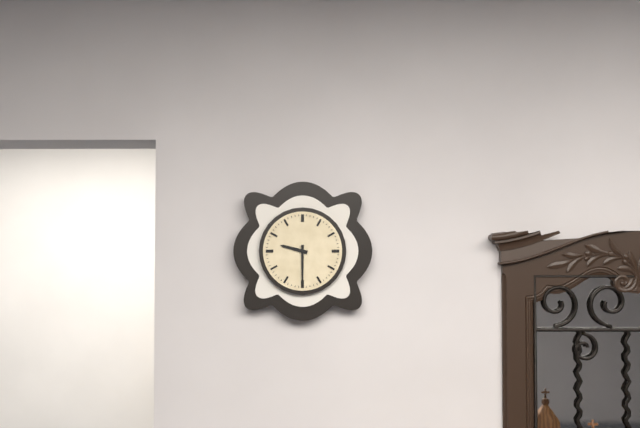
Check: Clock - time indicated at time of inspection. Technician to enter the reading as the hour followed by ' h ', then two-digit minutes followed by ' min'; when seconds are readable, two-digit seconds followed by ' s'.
9 h 30 min
